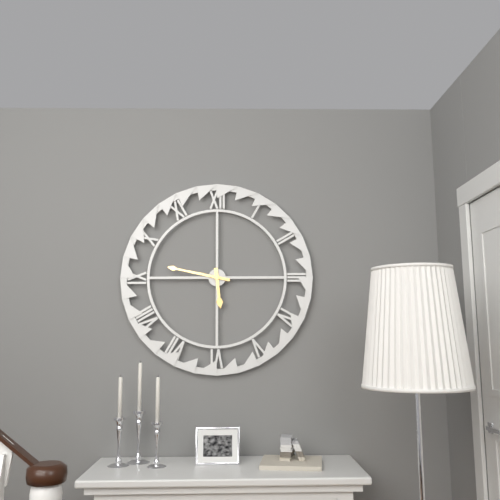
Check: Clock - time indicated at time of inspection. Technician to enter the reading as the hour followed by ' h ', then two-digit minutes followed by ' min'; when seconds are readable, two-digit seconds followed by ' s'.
5 h 47 min
